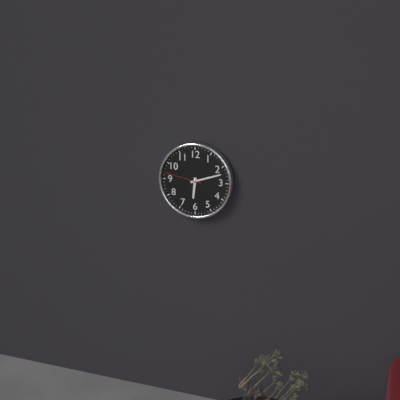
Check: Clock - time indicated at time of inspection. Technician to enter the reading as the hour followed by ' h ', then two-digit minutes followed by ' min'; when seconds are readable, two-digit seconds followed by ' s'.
6 h 12 min
